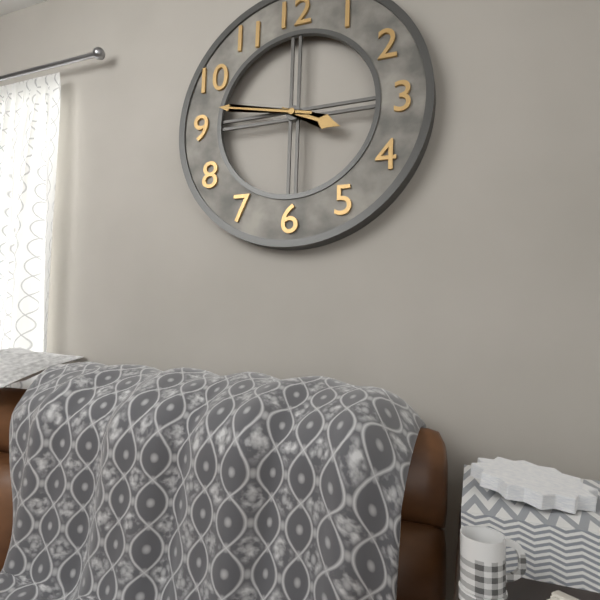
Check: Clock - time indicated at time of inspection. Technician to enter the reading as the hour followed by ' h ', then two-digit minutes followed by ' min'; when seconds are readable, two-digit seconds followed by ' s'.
3 h 47 min
